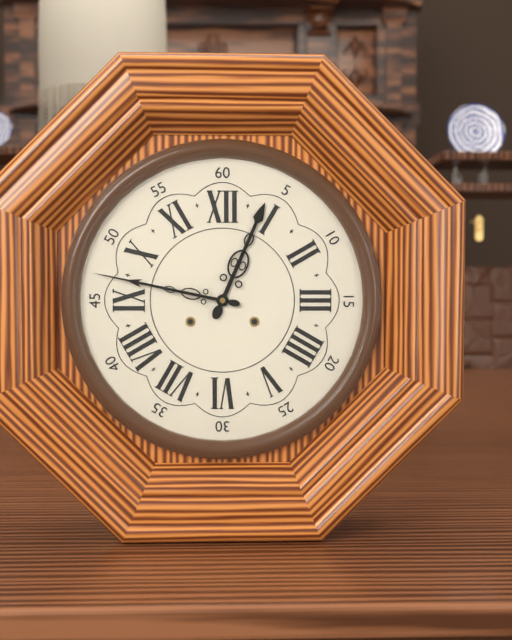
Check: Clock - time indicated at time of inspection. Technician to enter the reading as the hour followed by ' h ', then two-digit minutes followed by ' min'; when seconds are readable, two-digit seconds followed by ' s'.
12 h 47 min
